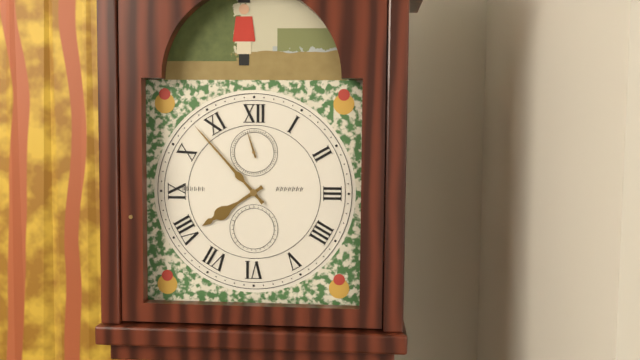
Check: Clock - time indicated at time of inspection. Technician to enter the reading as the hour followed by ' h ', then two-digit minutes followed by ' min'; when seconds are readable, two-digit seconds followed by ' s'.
7 h 53 min
